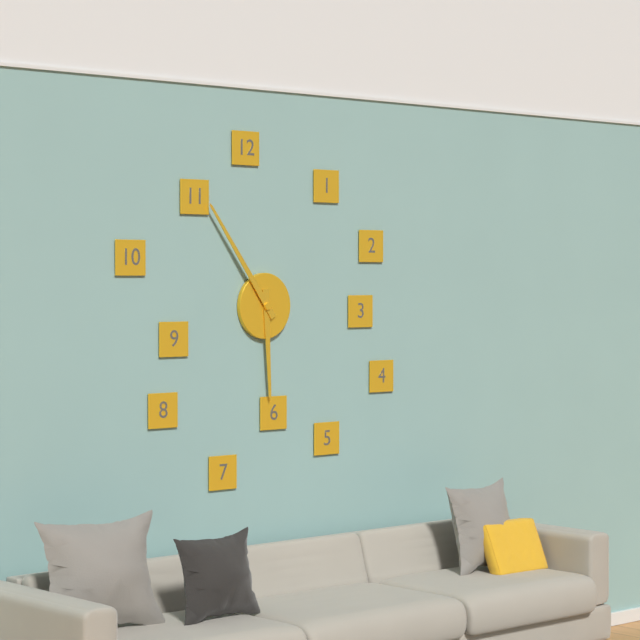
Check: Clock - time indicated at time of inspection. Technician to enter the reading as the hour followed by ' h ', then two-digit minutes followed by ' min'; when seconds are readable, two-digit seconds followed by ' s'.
5 h 54 min
